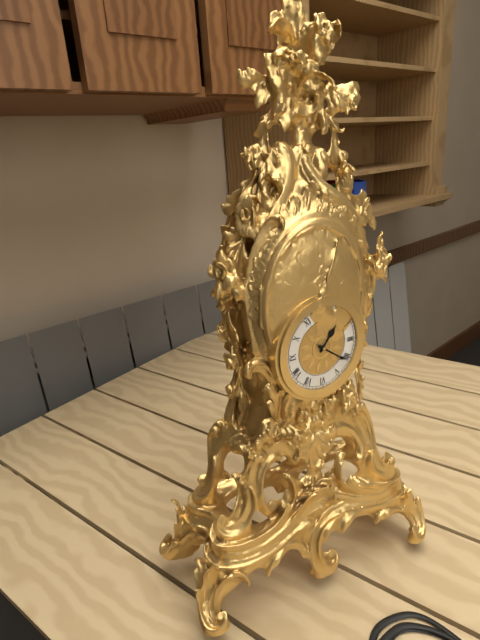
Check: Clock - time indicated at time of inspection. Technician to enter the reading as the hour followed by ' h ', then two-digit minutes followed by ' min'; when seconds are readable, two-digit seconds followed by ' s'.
1 h 21 min
